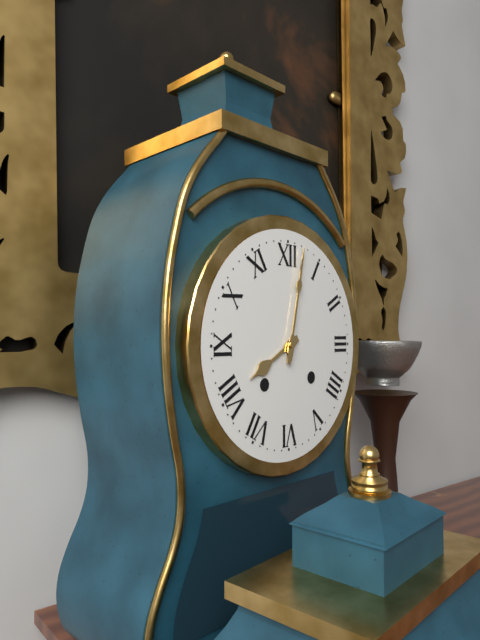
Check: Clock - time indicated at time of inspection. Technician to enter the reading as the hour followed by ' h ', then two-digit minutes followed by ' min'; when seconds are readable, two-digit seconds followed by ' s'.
8 h 02 min
